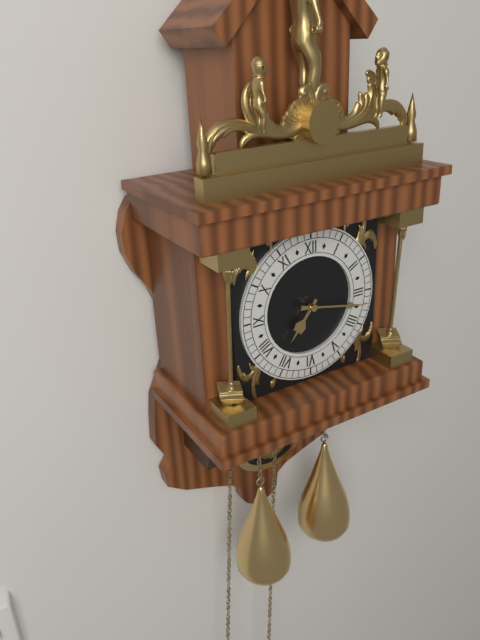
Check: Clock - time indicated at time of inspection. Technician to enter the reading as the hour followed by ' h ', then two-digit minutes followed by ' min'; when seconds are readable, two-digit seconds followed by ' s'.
7 h 17 min
